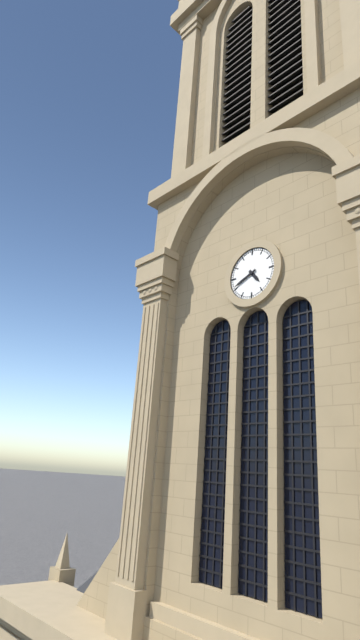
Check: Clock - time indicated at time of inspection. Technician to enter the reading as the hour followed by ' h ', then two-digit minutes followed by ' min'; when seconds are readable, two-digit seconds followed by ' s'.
4 h 41 min
